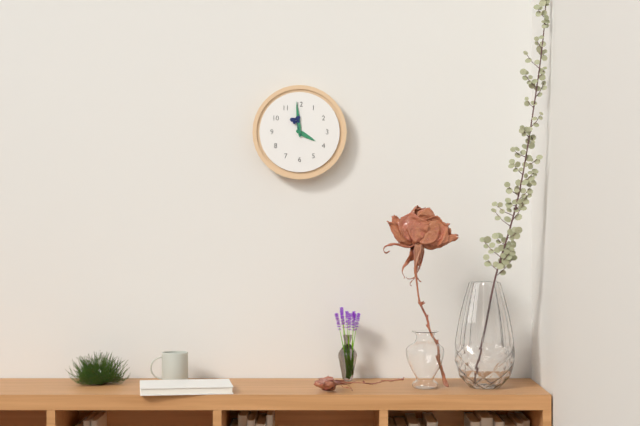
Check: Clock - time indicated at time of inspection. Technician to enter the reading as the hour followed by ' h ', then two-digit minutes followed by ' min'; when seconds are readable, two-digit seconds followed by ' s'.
3 h 59 min
